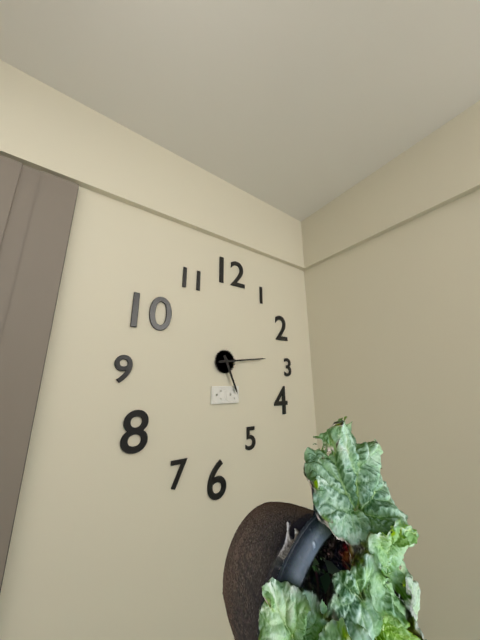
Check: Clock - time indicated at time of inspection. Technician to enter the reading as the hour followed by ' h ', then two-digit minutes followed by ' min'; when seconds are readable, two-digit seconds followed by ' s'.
5 h 14 min
